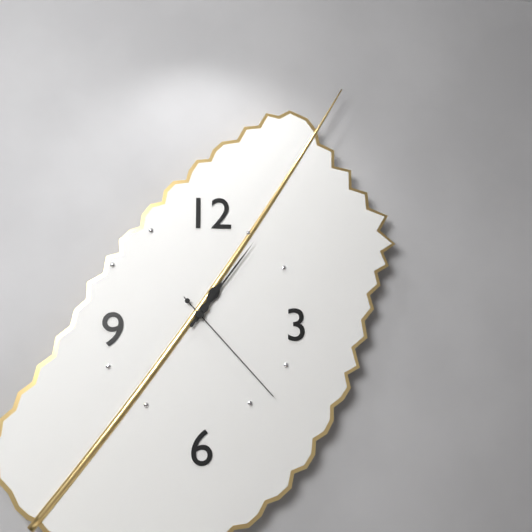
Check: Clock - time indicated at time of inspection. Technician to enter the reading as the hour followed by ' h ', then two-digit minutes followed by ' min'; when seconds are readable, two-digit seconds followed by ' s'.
1 h 06 min 23 s
